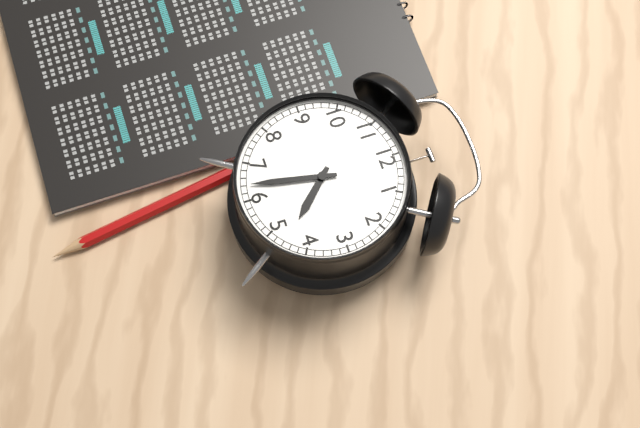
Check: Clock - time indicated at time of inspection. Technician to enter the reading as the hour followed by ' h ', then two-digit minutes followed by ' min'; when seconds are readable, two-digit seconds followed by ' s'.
4 h 32 min
